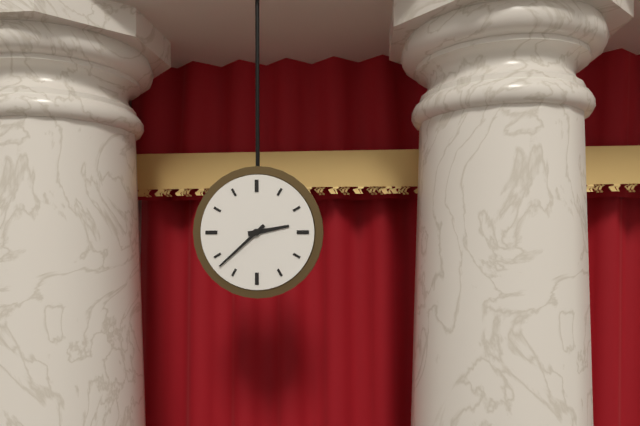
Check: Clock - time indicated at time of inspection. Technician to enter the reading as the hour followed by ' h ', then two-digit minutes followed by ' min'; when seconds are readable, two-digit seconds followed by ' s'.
2 h 38 min
